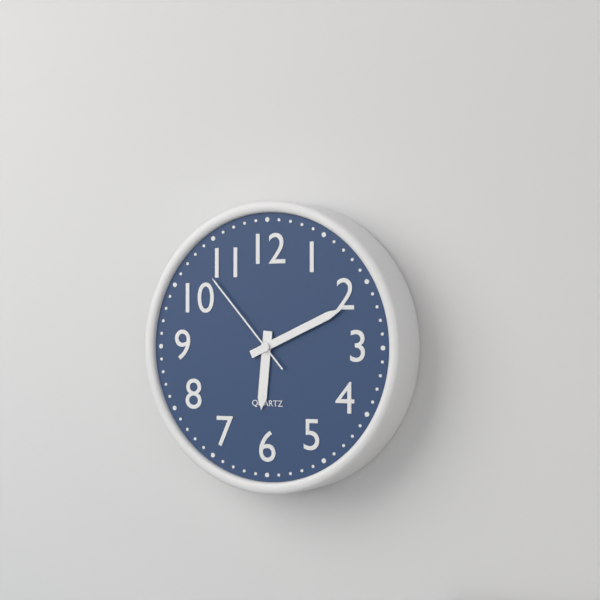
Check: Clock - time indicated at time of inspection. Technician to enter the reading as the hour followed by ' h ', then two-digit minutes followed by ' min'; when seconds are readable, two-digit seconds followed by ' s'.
6 h 11 min 53 s
